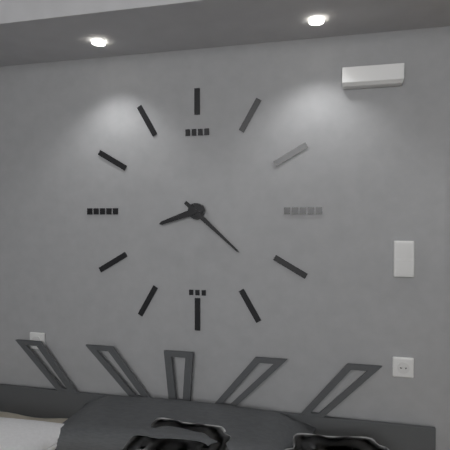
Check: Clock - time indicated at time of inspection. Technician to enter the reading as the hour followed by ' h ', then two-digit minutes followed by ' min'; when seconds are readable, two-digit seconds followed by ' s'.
8 h 22 min
